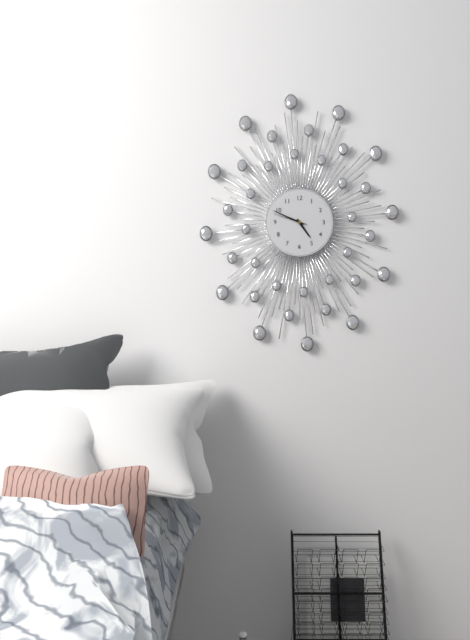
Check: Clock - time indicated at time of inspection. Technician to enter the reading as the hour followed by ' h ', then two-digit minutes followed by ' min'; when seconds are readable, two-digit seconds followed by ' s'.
4 h 49 min
